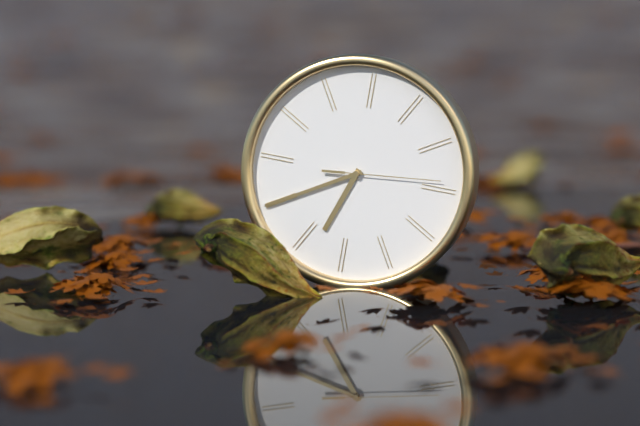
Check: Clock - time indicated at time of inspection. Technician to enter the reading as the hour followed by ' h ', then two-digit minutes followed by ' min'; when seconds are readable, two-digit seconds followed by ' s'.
6 h 40 min 14 s
